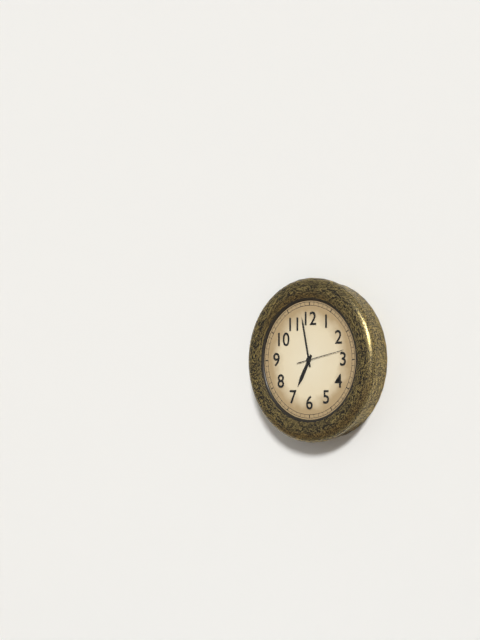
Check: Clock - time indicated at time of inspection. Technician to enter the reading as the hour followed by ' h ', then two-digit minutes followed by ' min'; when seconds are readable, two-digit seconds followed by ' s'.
6 h 58 min
